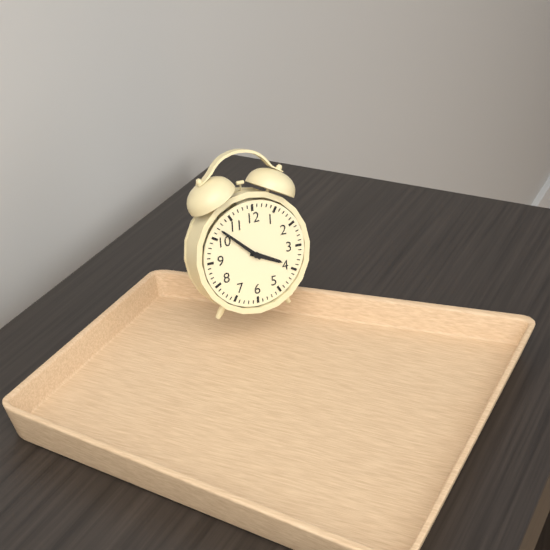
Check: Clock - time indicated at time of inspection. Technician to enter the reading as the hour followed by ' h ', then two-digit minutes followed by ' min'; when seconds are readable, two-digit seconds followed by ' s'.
3 h 52 min
